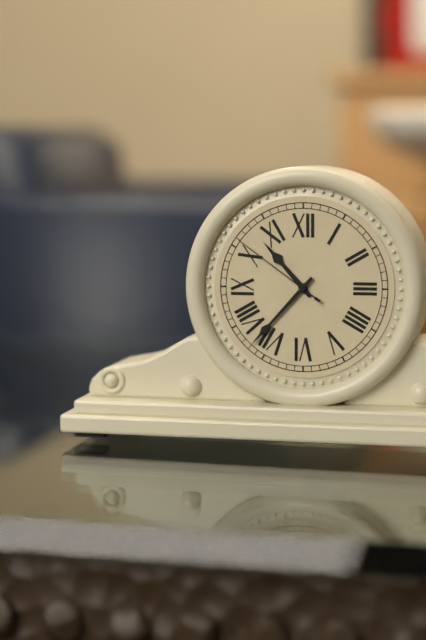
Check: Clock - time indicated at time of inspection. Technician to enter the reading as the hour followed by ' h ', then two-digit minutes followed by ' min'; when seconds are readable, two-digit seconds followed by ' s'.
10 h 37 min 51 s
